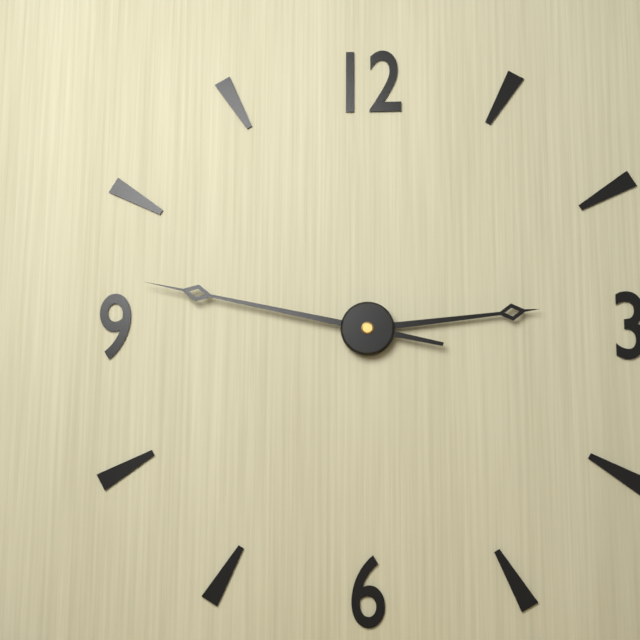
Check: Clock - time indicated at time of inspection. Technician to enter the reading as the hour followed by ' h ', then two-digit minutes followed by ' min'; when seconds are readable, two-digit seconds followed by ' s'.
2 h 47 min
